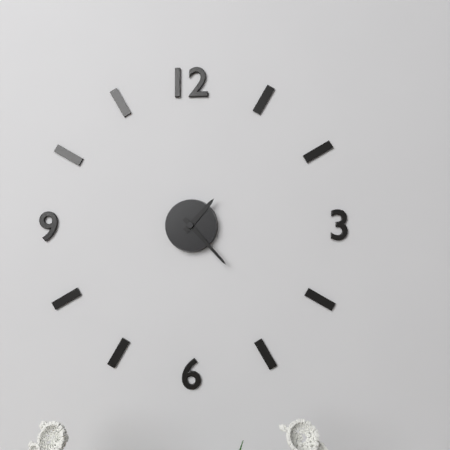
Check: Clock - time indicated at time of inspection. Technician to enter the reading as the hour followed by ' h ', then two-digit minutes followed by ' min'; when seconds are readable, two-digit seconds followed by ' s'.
1 h 23 min
